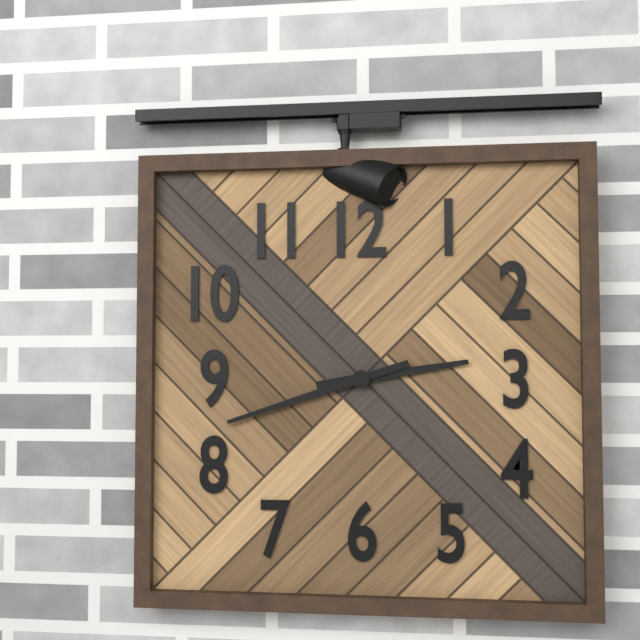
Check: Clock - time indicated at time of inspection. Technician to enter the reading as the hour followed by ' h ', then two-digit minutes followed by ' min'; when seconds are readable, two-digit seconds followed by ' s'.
2 h 42 min
